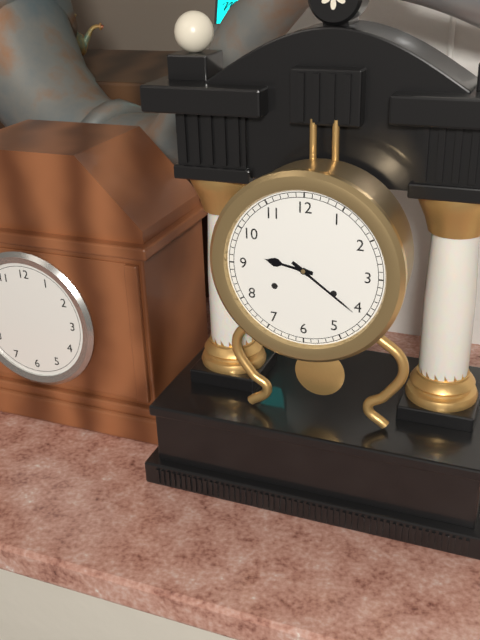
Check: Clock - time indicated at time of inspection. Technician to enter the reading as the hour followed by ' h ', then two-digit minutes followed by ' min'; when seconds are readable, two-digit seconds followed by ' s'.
9 h 21 min
